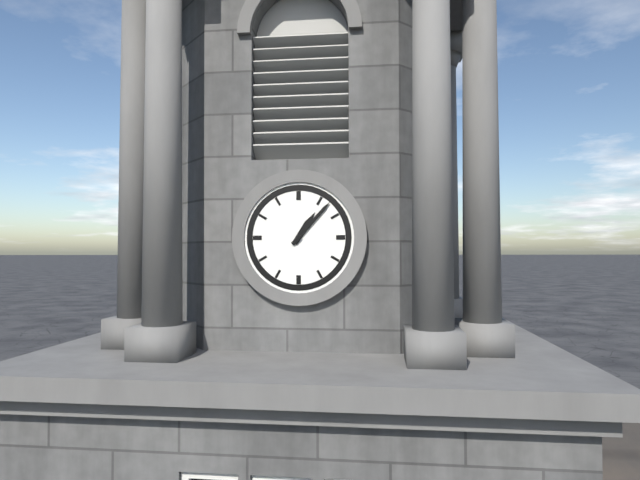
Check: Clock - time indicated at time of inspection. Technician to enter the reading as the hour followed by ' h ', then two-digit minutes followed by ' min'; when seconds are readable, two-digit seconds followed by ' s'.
1 h 07 min
